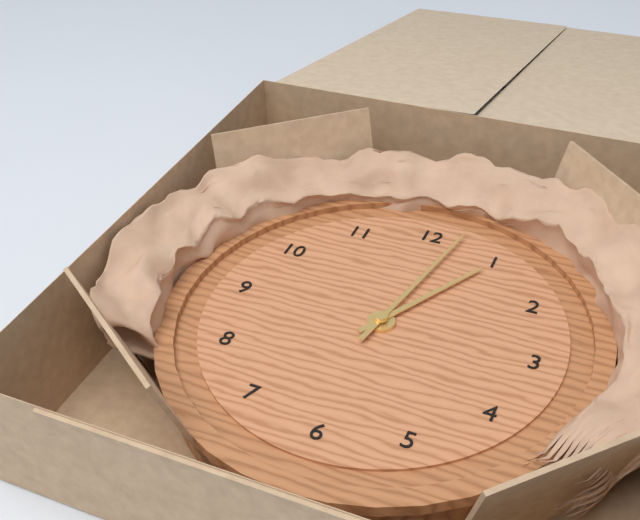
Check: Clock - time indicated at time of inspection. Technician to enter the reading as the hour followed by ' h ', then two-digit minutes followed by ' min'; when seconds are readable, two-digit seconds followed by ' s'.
1 h 02 min
